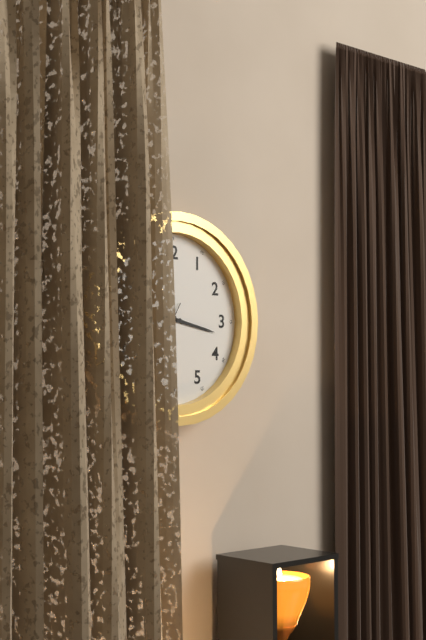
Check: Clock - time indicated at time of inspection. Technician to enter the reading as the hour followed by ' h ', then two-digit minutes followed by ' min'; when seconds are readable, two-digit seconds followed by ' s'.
9 h 17 min
